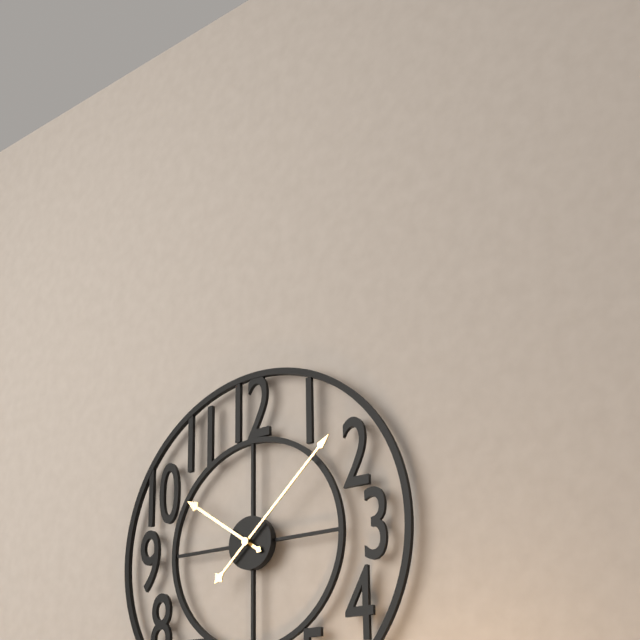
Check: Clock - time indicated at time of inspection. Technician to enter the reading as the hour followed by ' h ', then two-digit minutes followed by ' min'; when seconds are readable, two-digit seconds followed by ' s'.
10 h 08 min
